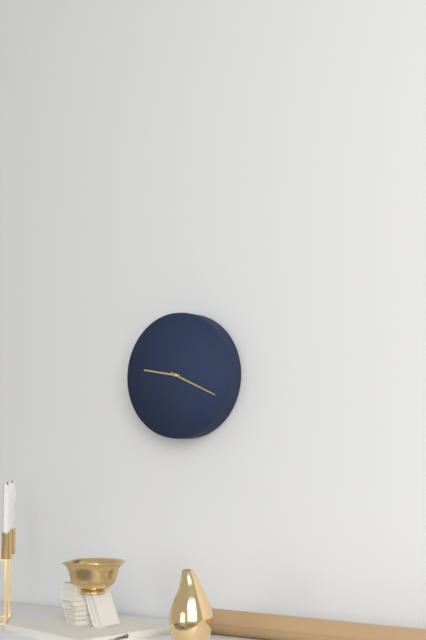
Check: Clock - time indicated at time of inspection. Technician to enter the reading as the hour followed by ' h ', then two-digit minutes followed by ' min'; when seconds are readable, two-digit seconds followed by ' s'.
9 h 19 min
